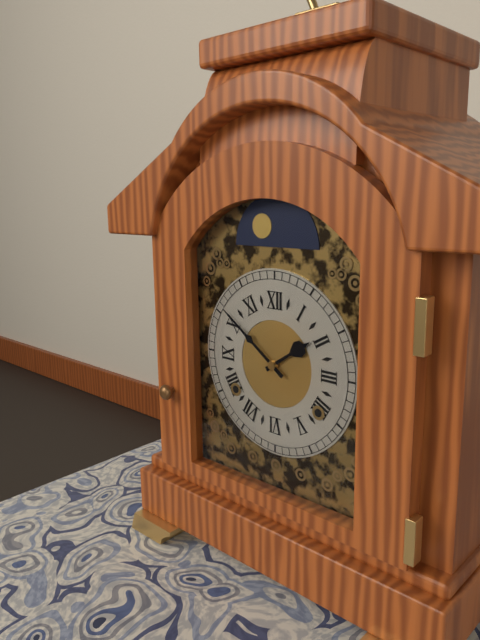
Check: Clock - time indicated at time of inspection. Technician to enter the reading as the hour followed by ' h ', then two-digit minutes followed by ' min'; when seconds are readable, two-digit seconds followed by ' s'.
1 h 51 min
